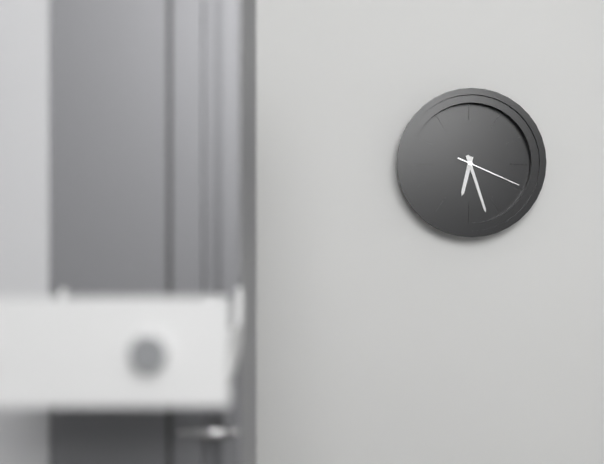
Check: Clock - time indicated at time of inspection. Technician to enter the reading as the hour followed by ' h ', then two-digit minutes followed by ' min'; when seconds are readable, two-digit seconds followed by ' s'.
6 h 27 min 19 s
